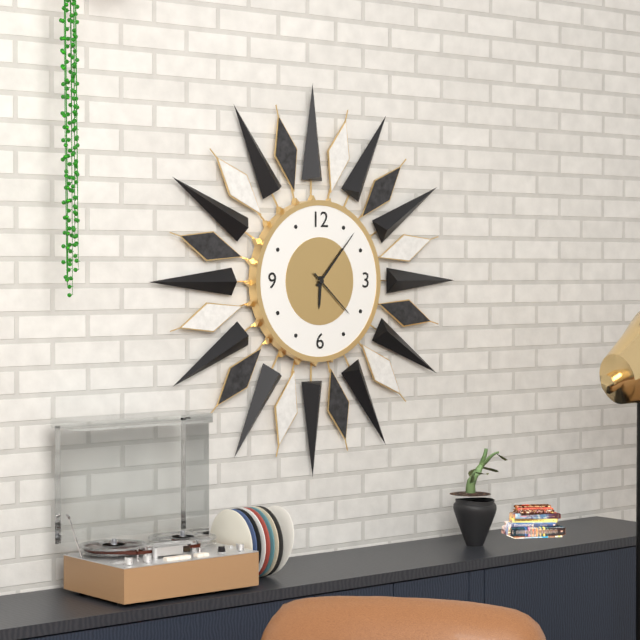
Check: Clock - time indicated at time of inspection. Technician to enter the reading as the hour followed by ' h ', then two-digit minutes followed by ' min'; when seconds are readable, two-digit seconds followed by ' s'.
6 h 07 min 22 s
